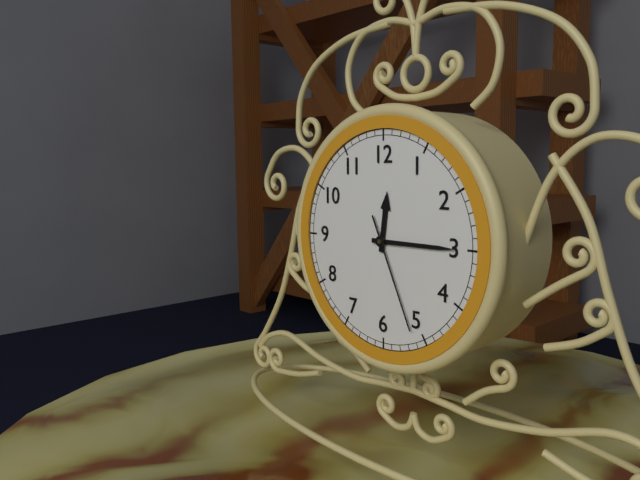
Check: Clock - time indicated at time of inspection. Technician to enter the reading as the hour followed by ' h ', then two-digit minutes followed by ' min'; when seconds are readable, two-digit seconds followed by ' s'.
12 h 15 min 26 s
